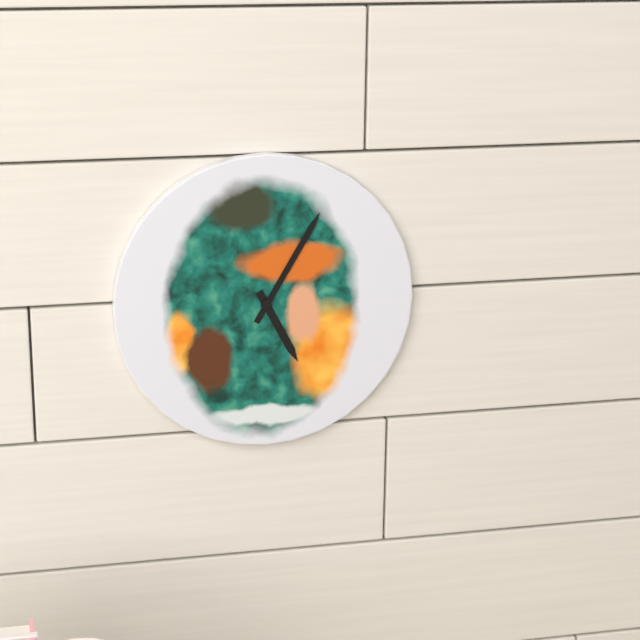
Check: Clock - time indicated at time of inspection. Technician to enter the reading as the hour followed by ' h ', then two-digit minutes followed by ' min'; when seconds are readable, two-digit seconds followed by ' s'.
5 h 05 min
